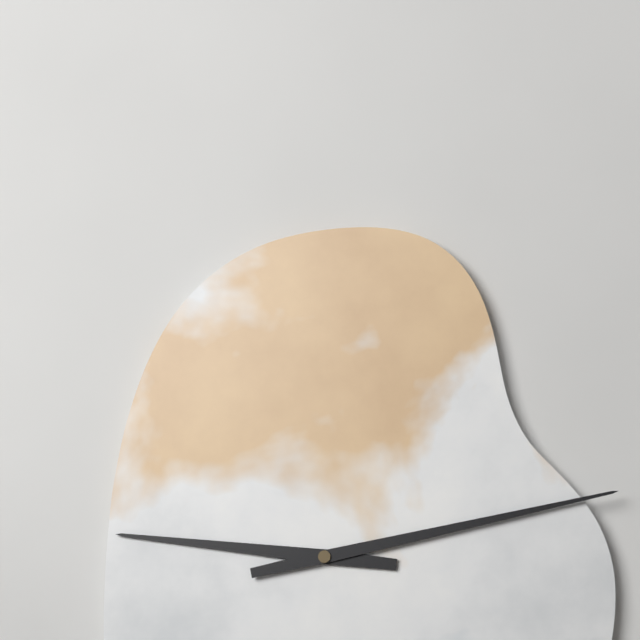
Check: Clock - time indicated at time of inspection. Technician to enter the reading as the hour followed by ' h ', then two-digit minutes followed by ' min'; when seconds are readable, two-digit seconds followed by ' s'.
9 h 13 min
